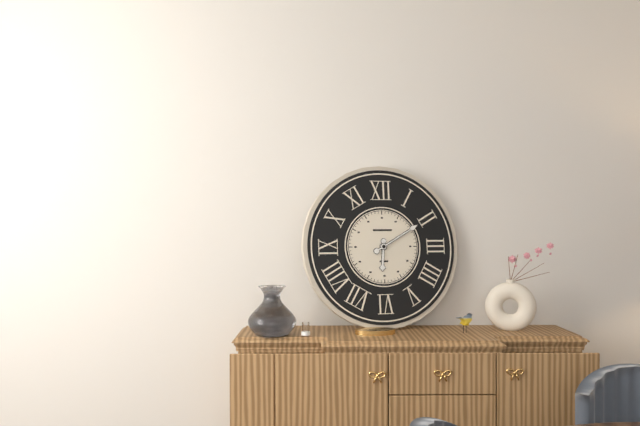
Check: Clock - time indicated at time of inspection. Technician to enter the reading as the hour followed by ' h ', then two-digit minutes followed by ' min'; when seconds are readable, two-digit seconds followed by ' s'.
6 h 10 min
